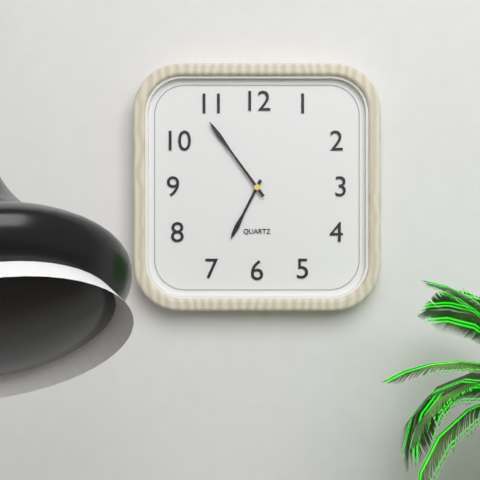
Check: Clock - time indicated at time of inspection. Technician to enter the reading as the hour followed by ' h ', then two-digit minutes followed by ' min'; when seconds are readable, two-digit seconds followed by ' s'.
6 h 54 min
